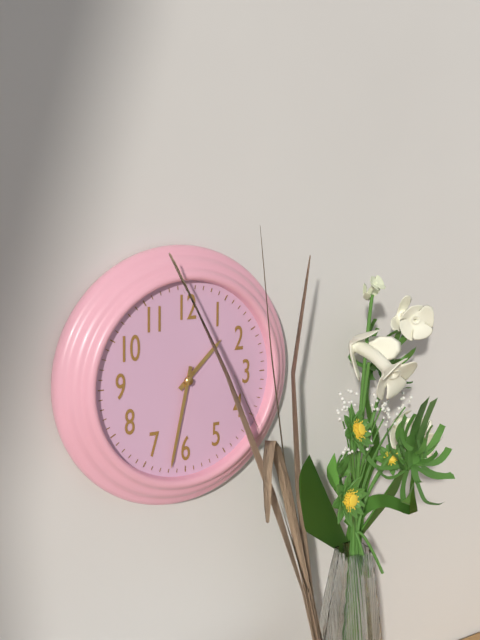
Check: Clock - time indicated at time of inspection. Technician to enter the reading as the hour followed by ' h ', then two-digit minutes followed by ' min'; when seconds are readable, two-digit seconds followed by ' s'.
1 h 32 min
